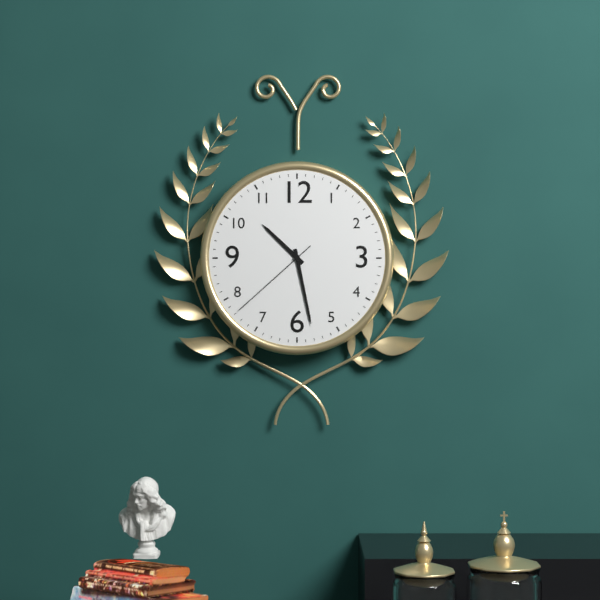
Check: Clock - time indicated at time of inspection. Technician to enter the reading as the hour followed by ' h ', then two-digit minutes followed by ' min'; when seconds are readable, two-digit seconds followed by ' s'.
10 h 28 min 38 s
